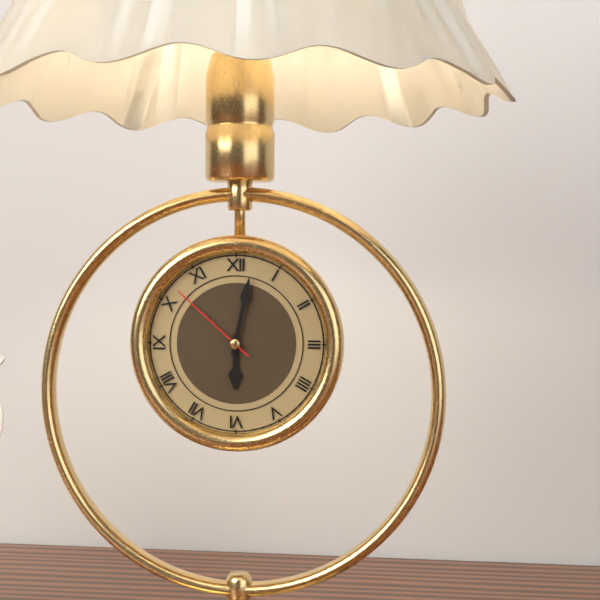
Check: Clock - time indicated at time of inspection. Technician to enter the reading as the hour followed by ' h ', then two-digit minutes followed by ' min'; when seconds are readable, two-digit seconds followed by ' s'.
6 h 02 min 52 s
